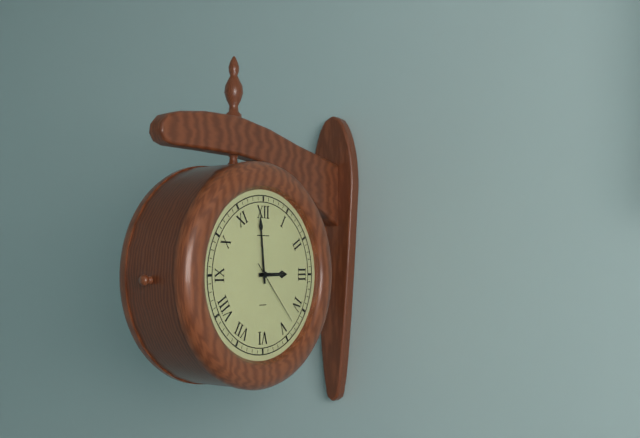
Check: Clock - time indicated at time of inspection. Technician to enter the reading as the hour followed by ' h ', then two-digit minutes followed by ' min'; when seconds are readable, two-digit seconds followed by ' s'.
2 h 59 min 23 s
